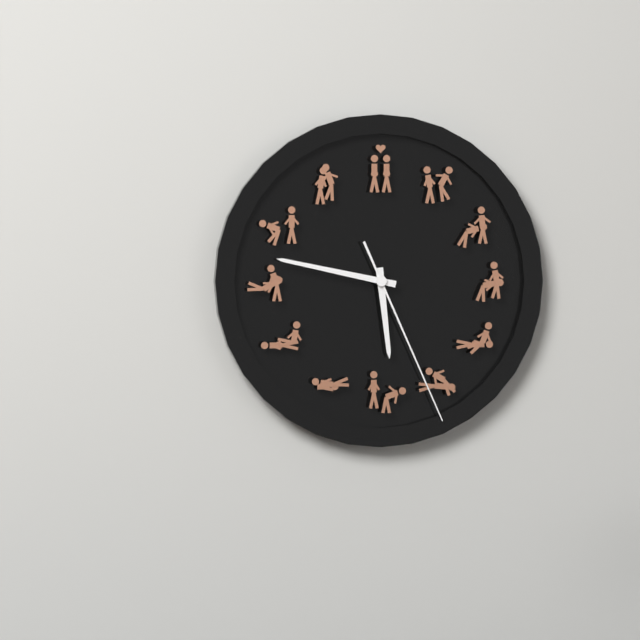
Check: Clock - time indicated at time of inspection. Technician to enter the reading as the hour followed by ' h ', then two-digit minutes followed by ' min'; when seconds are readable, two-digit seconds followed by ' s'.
5 h 47 min 26 s
